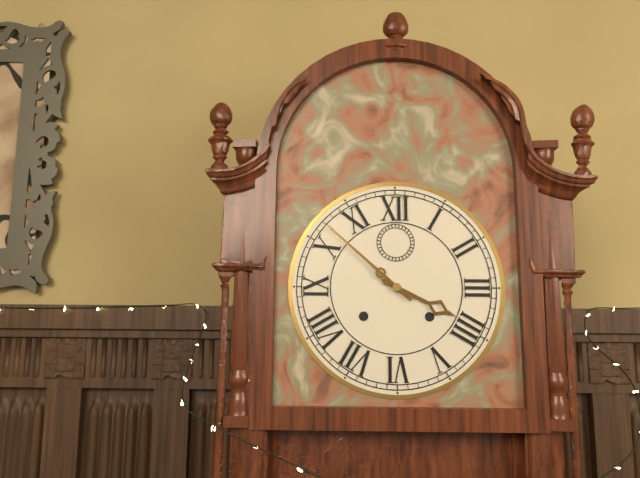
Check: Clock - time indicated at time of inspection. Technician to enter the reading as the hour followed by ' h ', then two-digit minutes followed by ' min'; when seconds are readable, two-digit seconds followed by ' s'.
3 h 52 min
